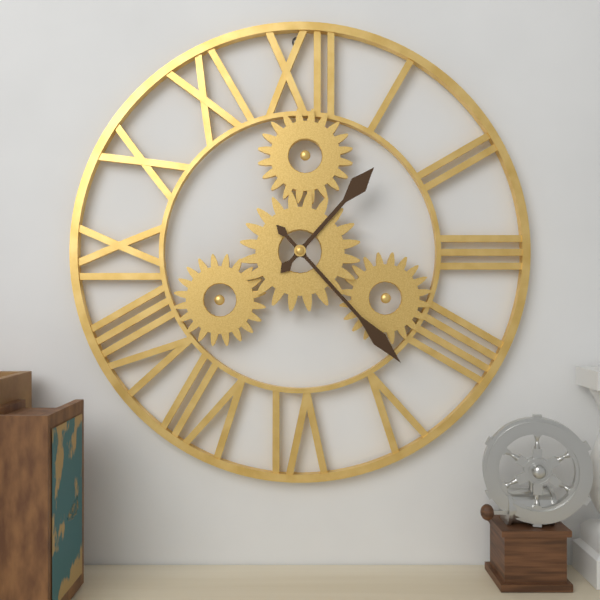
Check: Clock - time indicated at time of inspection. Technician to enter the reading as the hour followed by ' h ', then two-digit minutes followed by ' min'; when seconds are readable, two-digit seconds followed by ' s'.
1 h 23 min
